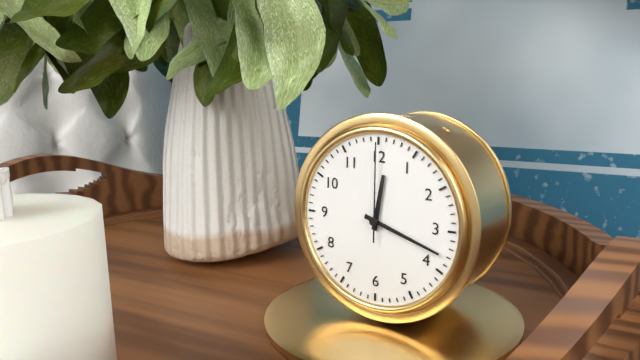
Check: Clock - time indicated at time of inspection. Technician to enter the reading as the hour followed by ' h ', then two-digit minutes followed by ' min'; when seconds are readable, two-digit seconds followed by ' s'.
12 h 18 min 00 s
